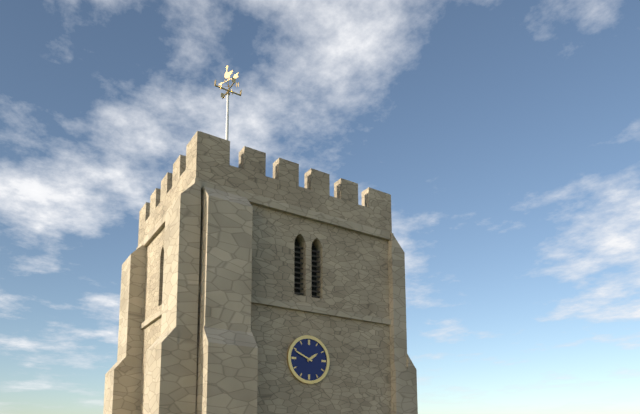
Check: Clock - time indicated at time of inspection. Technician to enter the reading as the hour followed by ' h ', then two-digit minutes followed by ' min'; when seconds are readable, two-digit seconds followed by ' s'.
1 h 49 min
